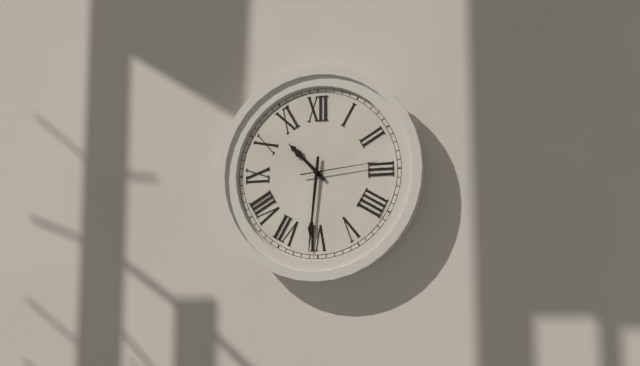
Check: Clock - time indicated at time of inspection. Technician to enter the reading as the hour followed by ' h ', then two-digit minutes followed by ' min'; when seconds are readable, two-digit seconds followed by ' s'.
10 h 31 min 14 s
